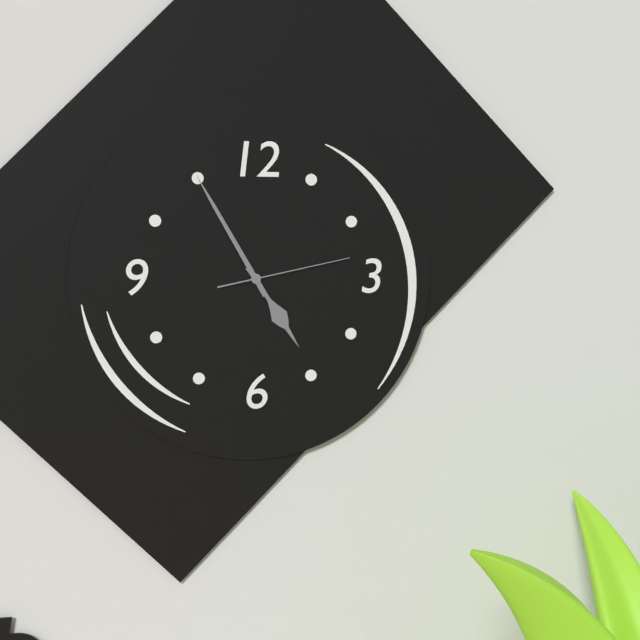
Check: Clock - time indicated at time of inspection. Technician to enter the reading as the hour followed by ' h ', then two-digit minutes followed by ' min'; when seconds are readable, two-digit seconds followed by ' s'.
4 h 55 min 13 s
